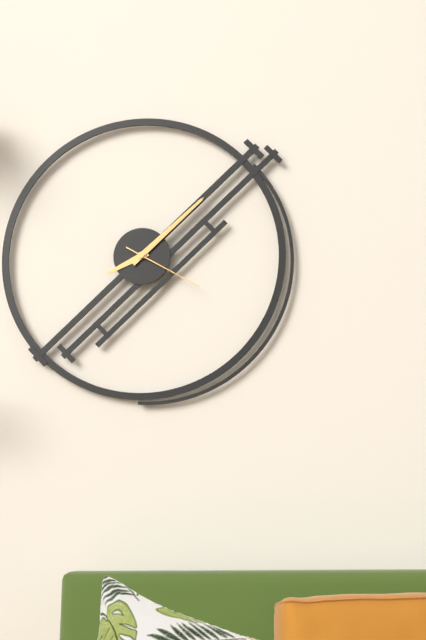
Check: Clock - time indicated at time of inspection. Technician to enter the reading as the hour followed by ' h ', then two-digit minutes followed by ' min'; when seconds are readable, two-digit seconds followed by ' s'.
8 h 08 min 20 s
